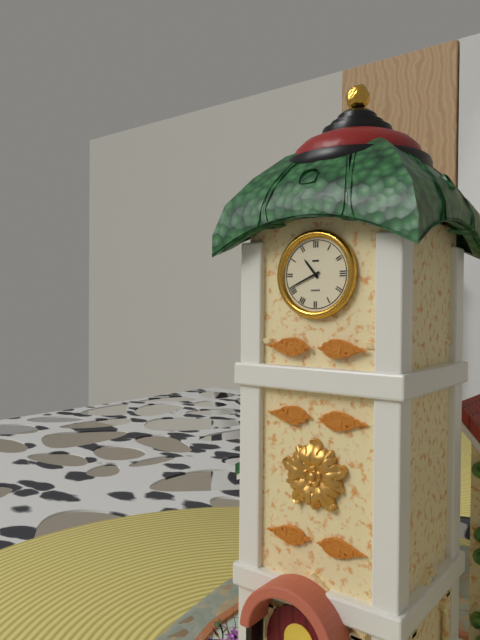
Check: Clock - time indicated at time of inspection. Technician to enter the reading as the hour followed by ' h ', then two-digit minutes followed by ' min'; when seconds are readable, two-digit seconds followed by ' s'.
10 h 41 min
